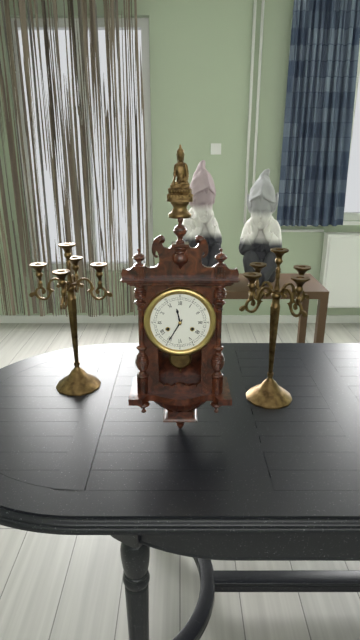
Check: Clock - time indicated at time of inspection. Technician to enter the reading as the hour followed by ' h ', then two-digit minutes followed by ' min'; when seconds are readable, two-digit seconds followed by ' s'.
11 h 35 min
